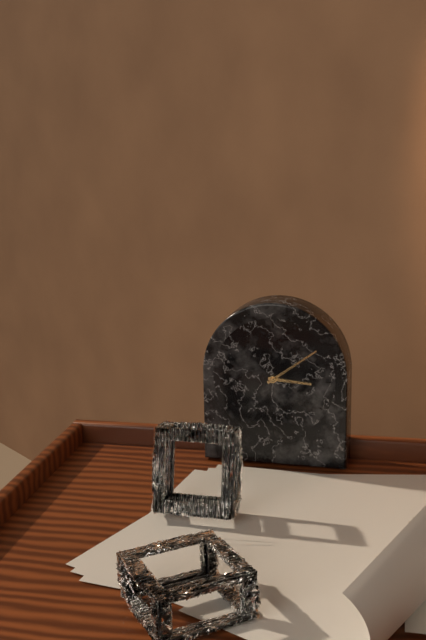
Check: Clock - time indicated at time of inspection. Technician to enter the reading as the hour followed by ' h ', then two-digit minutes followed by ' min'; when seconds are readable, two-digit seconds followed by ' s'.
3 h 09 min
